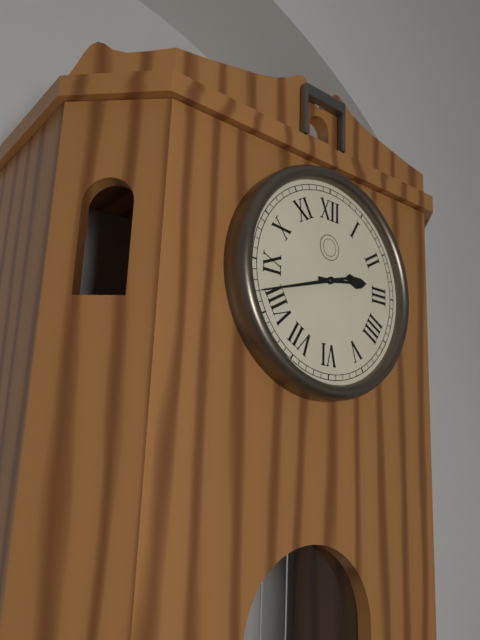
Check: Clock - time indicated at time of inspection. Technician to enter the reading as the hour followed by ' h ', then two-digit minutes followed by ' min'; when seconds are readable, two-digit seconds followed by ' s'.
2 h 42 min
